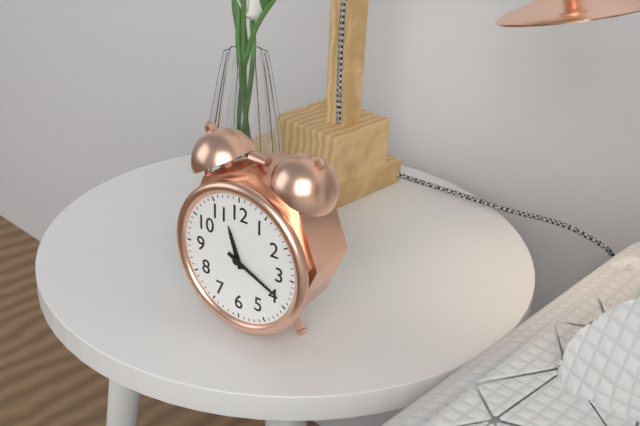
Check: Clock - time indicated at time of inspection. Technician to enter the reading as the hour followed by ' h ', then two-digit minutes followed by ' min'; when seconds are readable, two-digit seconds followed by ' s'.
11 h 19 min
